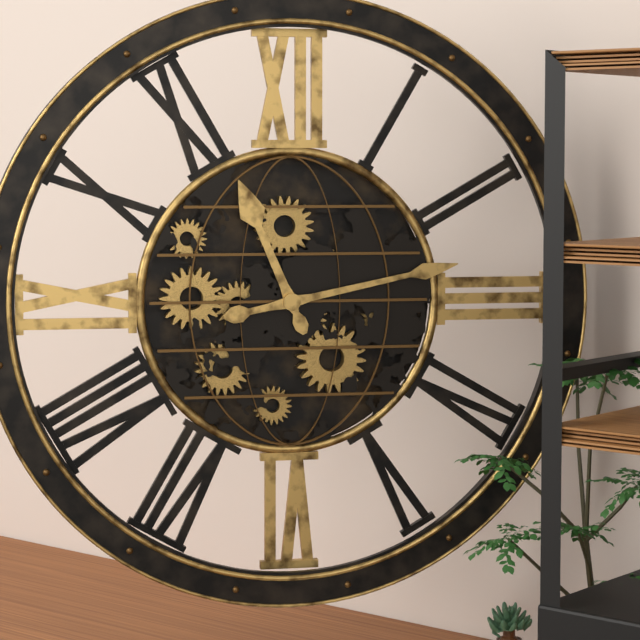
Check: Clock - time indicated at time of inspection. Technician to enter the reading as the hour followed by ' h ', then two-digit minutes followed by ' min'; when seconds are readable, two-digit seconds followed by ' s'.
11 h 13 min
